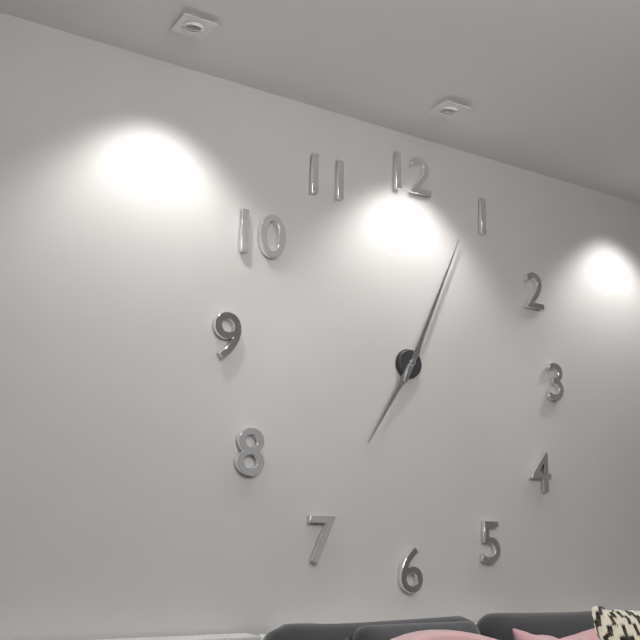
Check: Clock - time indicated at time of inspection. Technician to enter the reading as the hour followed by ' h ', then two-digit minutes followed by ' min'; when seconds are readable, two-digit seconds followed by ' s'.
7 h 04 min
